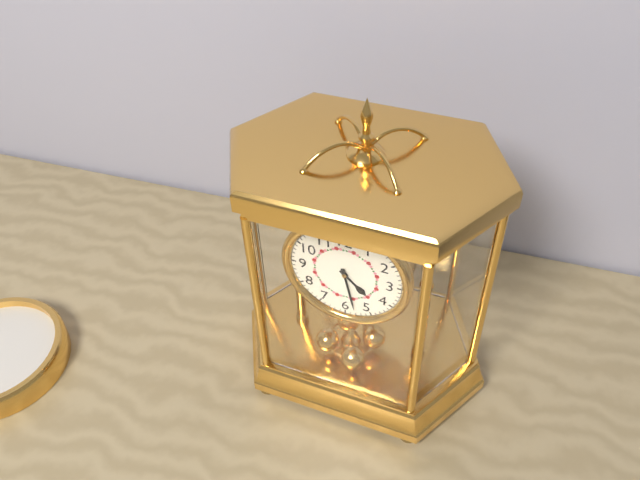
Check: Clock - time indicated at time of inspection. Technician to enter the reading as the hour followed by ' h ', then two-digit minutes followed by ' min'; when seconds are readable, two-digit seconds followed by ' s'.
4 h 28 min
